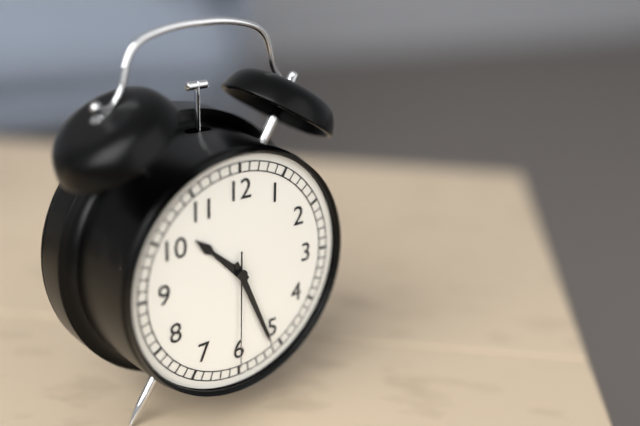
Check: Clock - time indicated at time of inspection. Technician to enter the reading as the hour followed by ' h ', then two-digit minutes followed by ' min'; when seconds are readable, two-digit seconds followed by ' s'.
10 h 26 min 30 s
